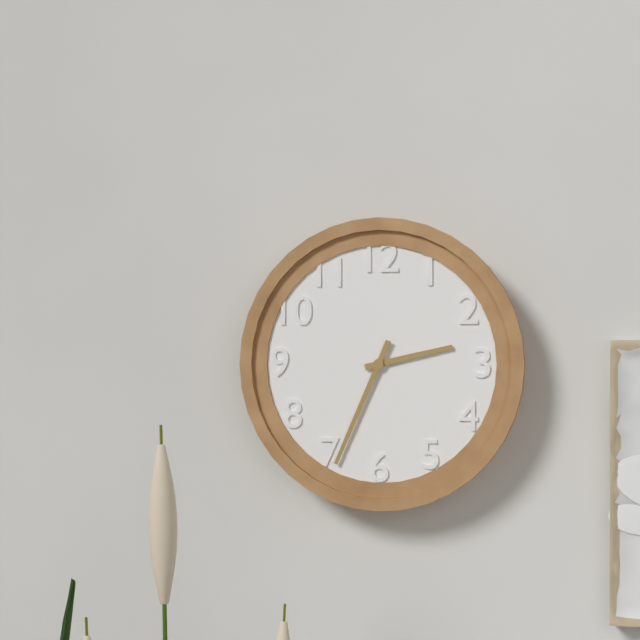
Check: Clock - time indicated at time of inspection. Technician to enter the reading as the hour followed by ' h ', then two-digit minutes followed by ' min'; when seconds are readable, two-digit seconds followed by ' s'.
2 h 34 min
